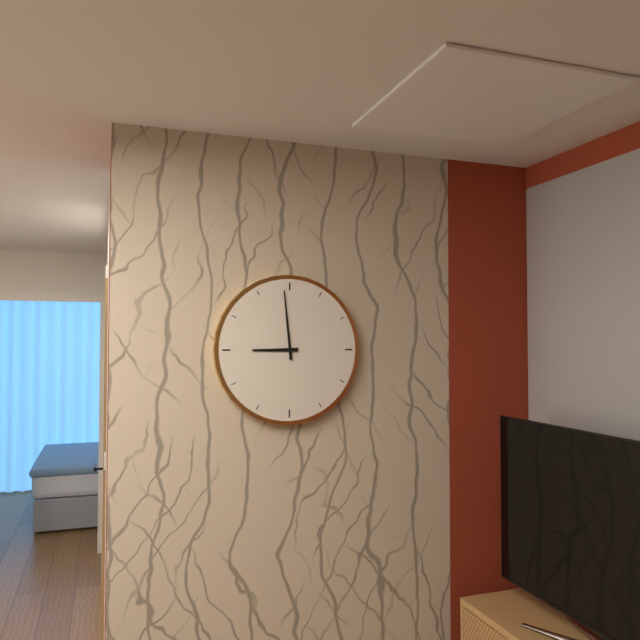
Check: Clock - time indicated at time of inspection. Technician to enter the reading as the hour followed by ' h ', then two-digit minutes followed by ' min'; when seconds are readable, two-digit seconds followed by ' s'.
8 h 59 min
